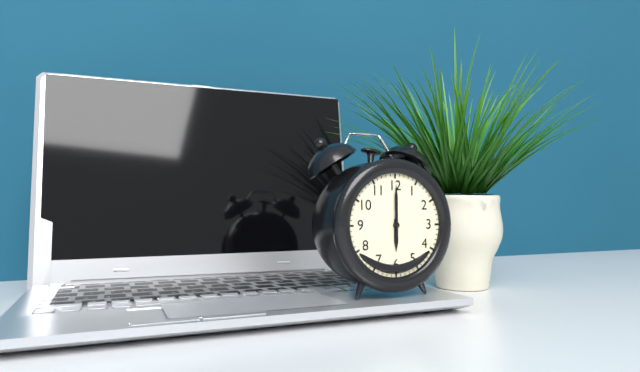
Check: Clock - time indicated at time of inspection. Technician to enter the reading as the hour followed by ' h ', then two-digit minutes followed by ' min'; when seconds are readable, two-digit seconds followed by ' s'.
6 h 00 min
